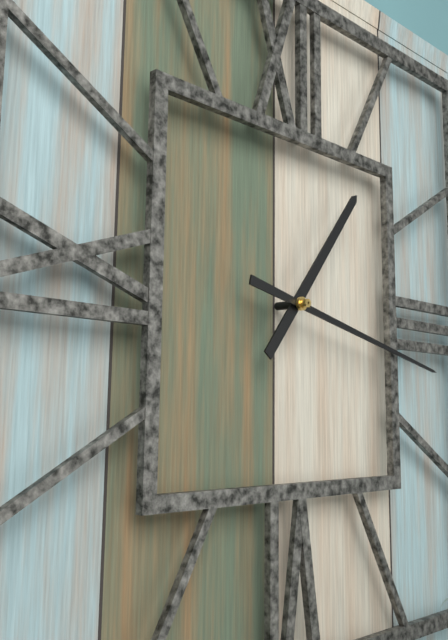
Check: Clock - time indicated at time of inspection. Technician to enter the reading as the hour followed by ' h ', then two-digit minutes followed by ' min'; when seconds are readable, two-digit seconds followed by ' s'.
1 h 17 min
